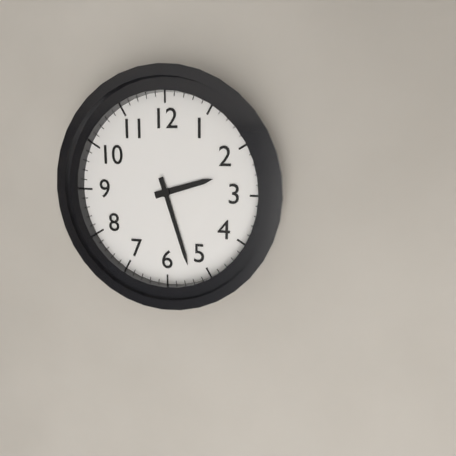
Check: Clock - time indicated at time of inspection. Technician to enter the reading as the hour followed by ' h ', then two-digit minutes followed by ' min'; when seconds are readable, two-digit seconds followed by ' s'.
2 h 27 min
